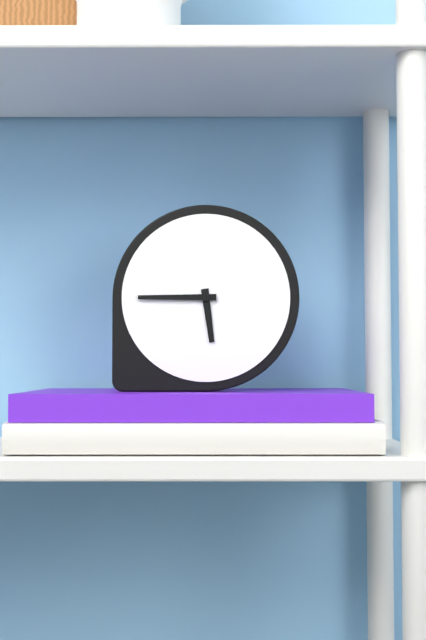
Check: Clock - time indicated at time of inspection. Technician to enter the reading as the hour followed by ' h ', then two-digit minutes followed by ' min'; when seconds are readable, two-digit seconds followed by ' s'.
5 h 45 min
